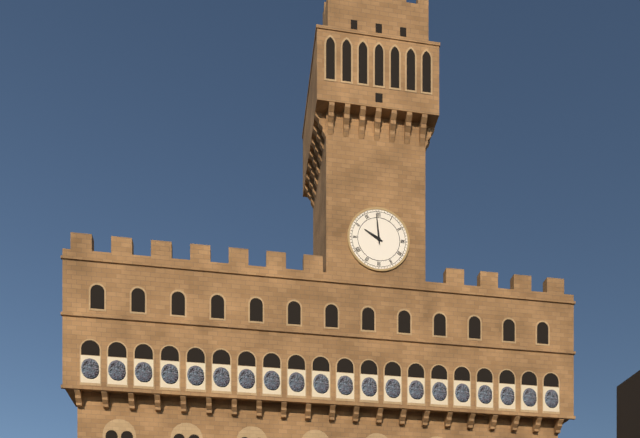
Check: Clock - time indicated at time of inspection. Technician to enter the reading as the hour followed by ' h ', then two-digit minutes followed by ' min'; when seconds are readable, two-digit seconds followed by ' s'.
9 h 59 min
